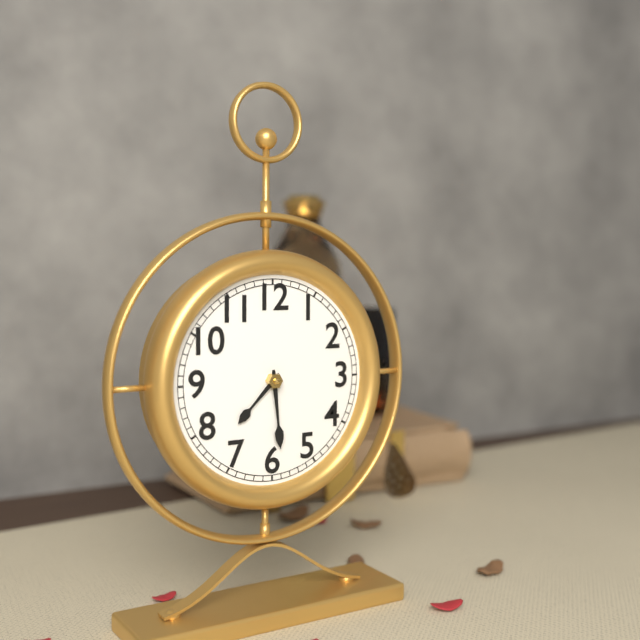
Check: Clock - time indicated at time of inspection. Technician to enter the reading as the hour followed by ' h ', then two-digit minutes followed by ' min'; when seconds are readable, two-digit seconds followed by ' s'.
7 h 29 min
